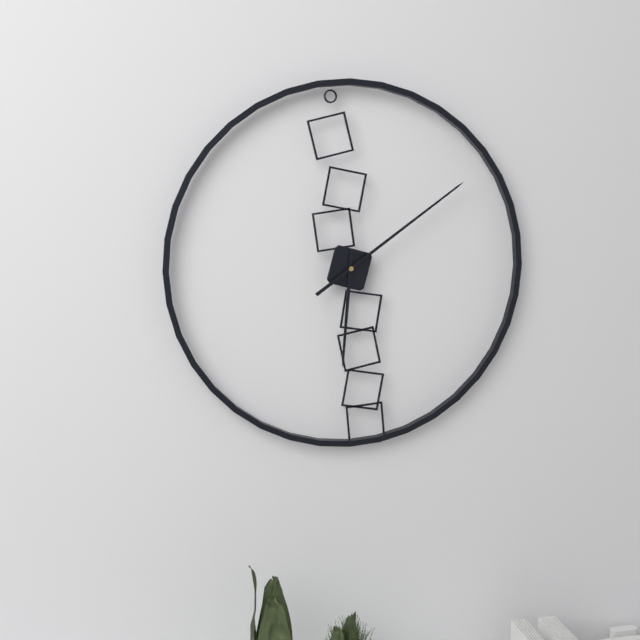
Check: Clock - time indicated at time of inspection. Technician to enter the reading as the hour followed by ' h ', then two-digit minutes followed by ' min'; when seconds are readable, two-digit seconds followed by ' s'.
6 h 09 min
